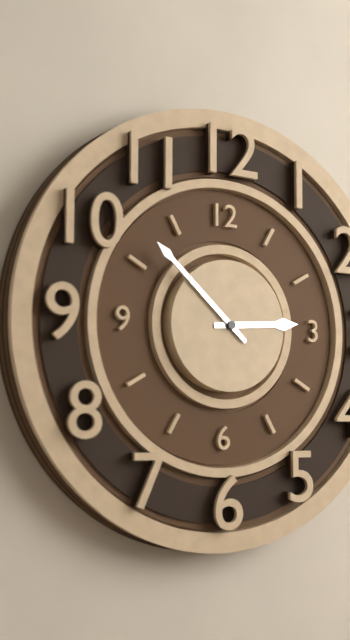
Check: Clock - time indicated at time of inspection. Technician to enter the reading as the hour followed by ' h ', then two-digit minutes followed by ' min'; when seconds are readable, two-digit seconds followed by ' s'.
2 h 52 min
